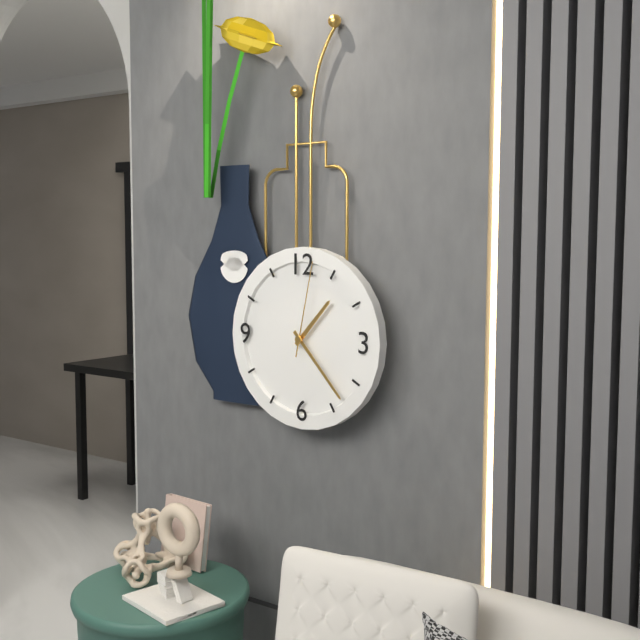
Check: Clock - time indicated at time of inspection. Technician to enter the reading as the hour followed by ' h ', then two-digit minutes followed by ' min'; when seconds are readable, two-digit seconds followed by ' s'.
1 h 23 min 02 s
